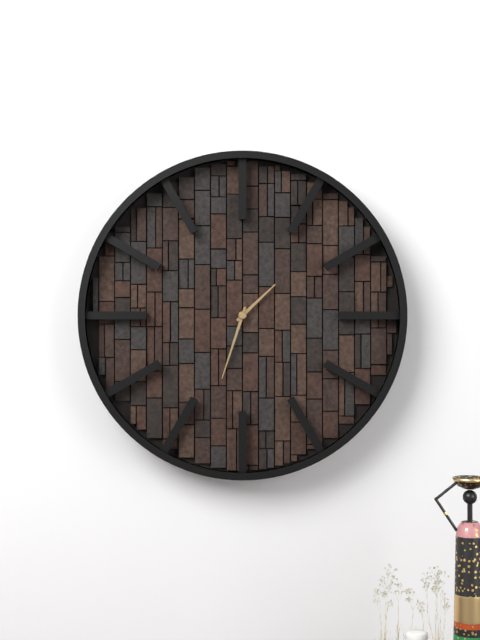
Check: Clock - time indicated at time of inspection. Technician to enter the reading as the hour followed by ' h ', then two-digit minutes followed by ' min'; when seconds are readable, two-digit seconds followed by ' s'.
1 h 33 min
